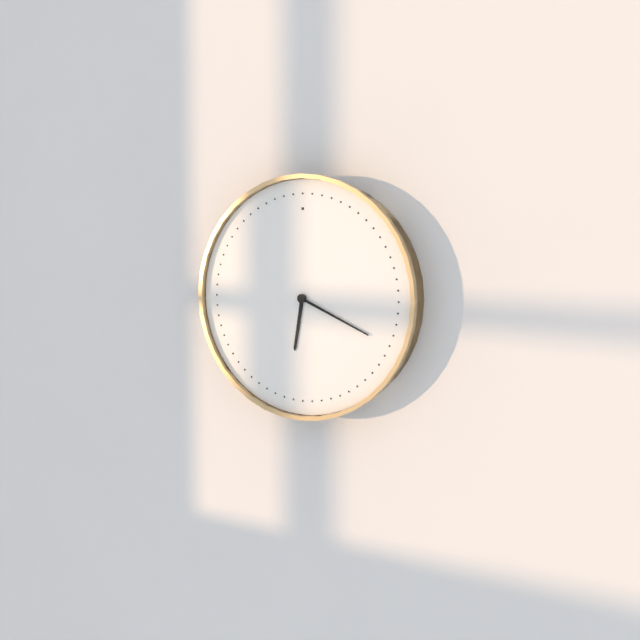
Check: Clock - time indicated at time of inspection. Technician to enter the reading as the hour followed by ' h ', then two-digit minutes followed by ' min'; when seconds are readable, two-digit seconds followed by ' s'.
6 h 19 min
